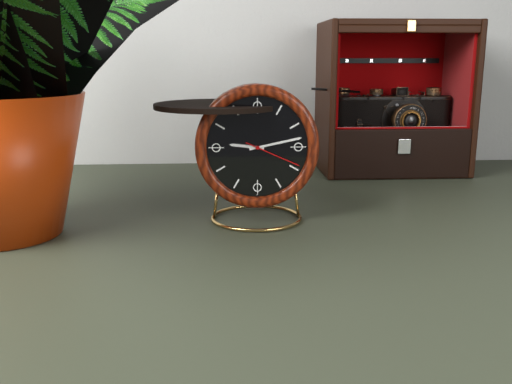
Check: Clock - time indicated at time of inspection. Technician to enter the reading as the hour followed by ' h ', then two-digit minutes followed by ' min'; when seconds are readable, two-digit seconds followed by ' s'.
9 h 13 min 19 s
